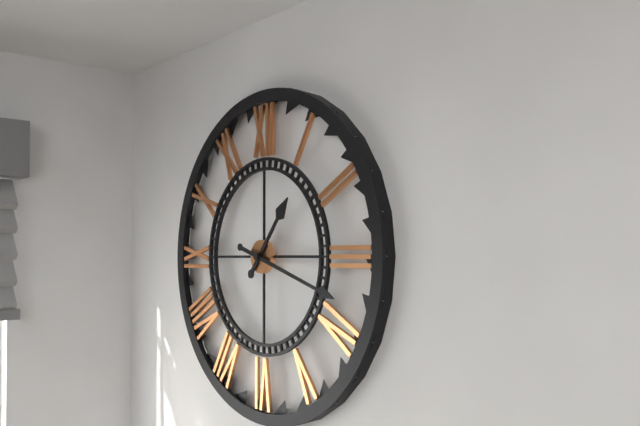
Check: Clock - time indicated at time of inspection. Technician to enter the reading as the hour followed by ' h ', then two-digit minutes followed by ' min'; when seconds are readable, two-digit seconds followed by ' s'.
1 h 18 min
